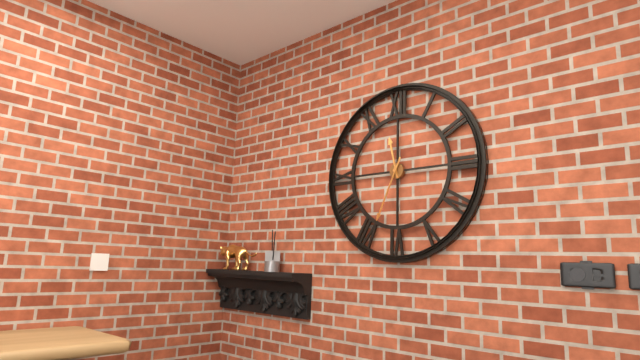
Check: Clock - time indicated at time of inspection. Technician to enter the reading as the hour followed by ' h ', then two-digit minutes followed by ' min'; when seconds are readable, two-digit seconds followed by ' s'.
11 h 34 min
